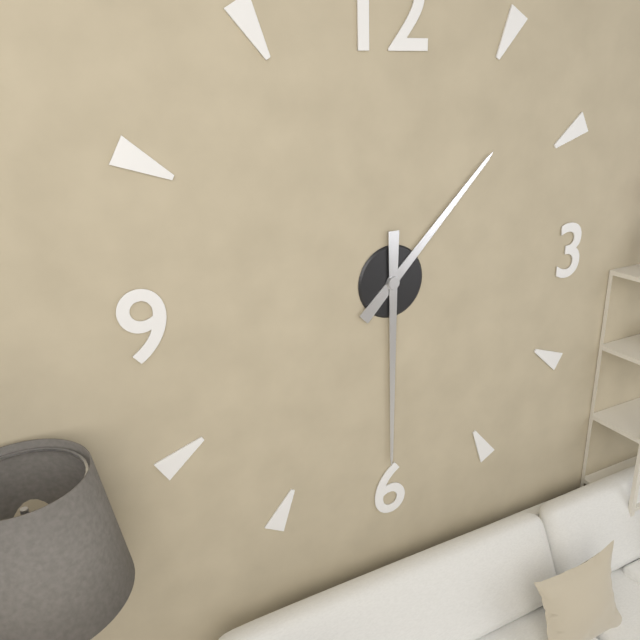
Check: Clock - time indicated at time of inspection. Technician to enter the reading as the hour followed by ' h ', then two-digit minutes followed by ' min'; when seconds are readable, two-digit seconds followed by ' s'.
1 h 30 min
